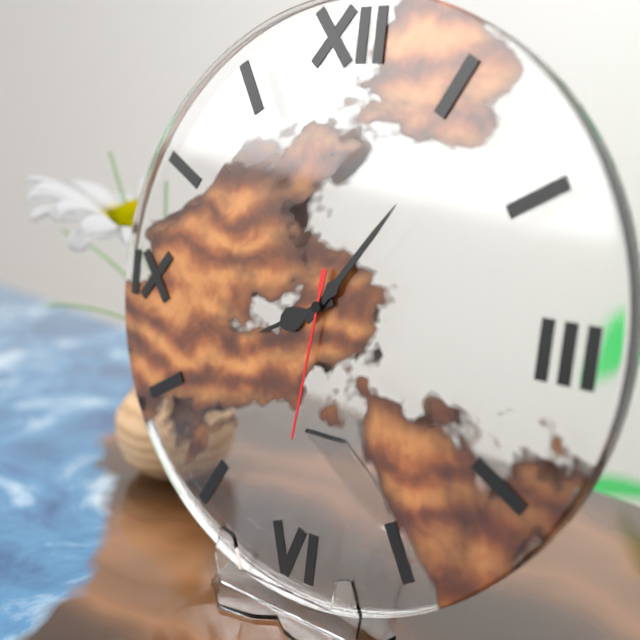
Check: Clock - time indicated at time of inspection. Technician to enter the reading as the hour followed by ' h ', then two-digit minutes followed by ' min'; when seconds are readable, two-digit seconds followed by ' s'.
8 h 06 min 31 s
